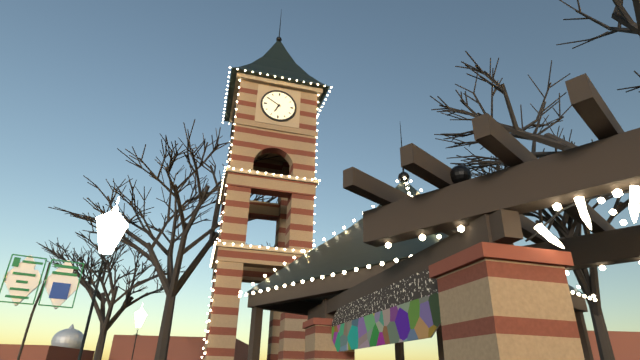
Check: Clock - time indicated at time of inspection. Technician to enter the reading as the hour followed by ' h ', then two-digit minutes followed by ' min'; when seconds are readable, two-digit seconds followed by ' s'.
6 h 50 min
